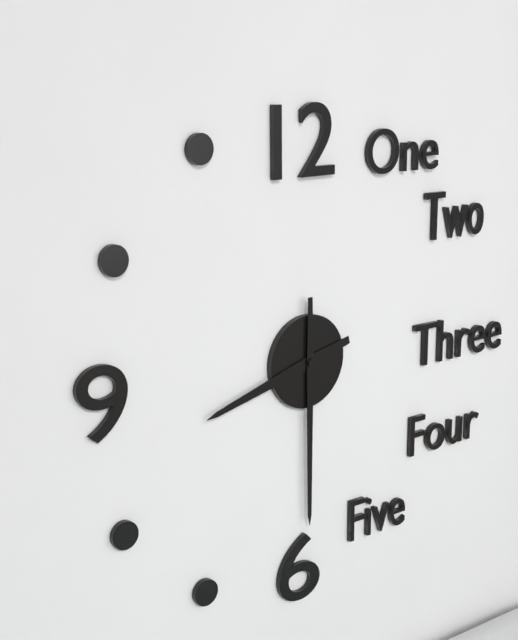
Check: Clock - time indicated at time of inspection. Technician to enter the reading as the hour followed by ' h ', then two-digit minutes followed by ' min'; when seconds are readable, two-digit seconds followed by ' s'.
8 h 30 min
